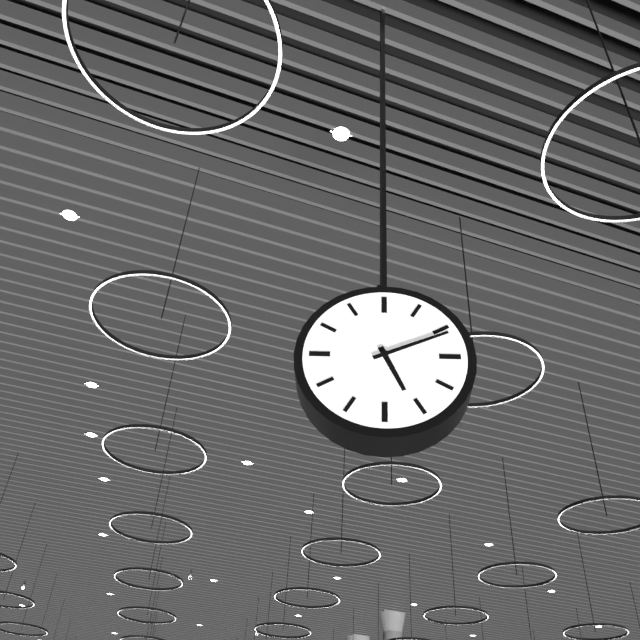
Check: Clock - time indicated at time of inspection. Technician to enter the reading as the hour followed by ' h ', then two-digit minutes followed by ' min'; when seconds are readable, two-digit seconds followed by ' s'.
5 h 11 min
